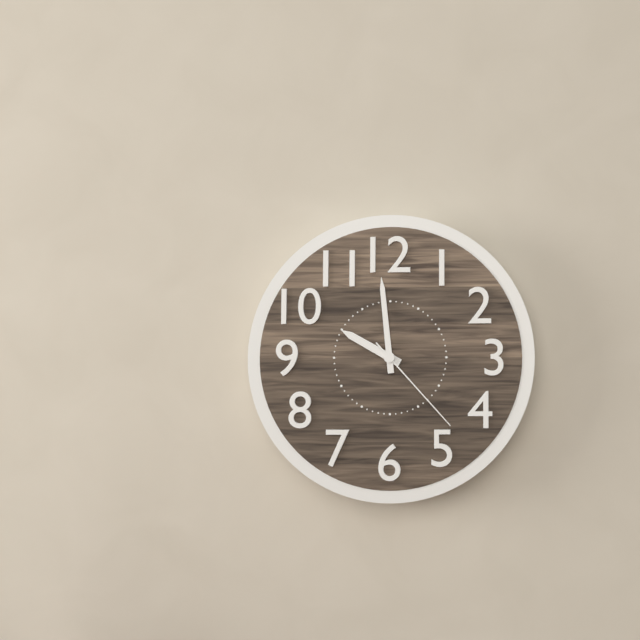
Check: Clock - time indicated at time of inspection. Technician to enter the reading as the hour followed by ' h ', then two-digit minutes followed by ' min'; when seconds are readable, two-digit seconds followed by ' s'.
9 h 59 min 23 s
